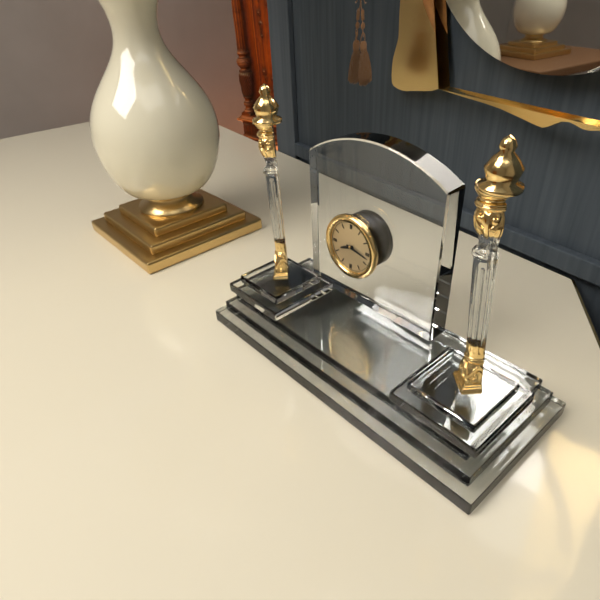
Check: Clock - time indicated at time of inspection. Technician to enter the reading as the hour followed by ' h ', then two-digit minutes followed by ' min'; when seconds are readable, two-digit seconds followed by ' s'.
8 h 17 min
